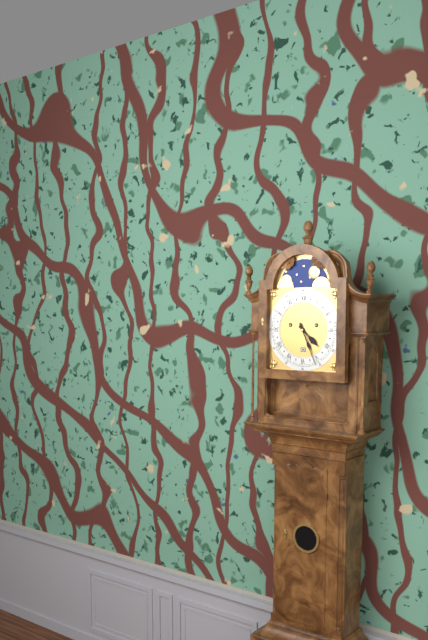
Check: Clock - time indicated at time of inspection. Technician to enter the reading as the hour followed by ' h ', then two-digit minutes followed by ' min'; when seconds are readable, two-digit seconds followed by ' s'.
4 h 26 min
